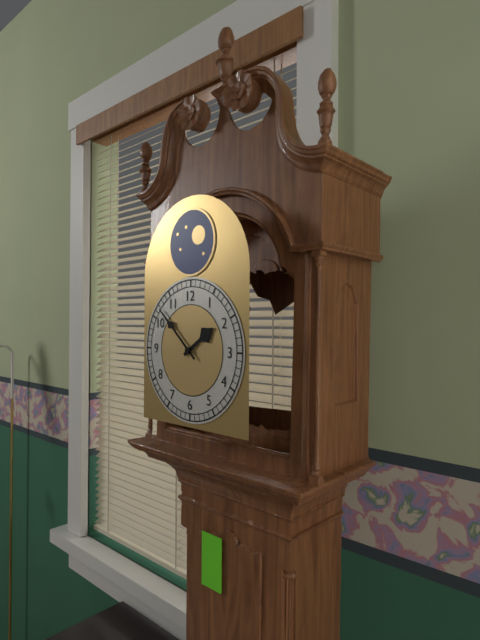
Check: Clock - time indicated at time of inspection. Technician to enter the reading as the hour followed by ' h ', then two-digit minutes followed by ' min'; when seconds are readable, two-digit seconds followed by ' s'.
1 h 52 min
